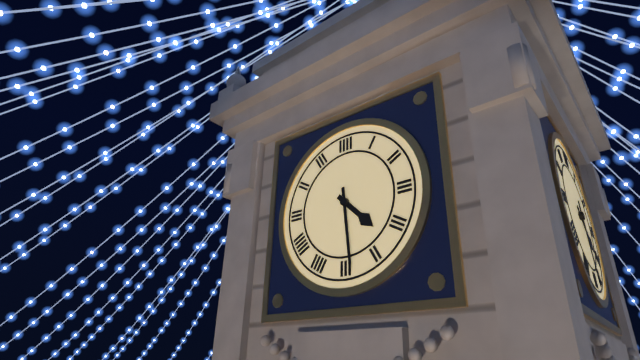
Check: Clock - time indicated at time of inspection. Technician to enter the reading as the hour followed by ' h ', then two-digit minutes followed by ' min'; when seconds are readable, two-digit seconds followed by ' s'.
4 h 29 min
